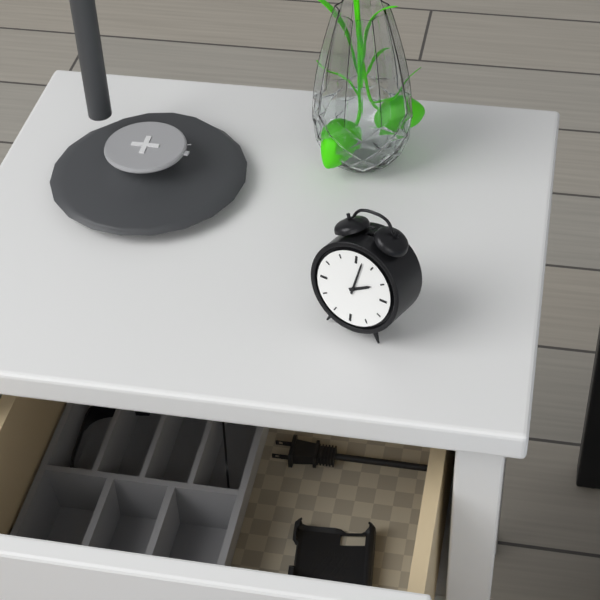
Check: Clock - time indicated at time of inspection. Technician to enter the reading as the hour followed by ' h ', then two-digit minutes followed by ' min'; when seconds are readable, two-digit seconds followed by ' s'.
2 h 02 min
